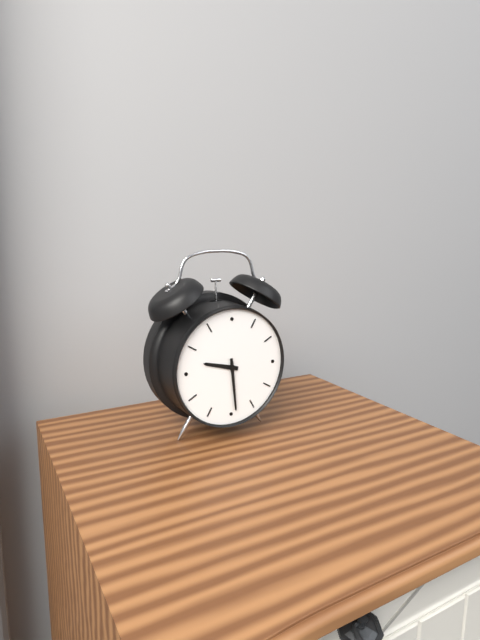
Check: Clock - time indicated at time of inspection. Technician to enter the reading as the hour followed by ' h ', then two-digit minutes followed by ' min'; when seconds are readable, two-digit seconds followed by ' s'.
9 h 29 min
